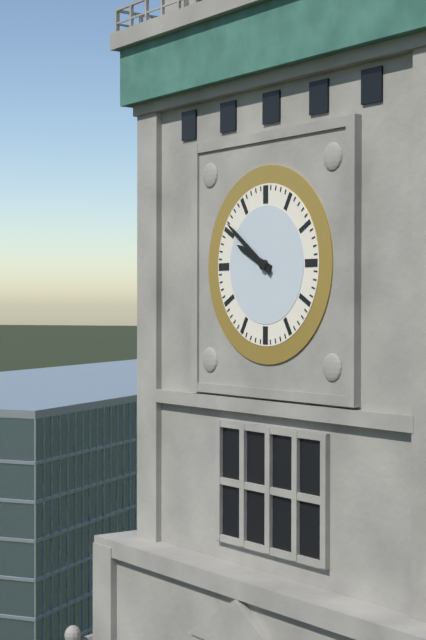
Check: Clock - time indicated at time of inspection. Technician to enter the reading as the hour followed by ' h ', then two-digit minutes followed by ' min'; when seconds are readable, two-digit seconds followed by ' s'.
9 h 51 min
